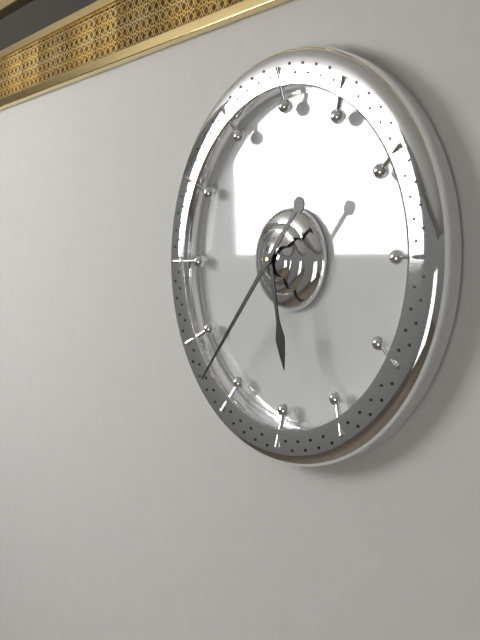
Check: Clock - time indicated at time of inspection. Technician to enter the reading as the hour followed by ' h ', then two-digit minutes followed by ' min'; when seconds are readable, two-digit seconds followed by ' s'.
5 h 37 min
